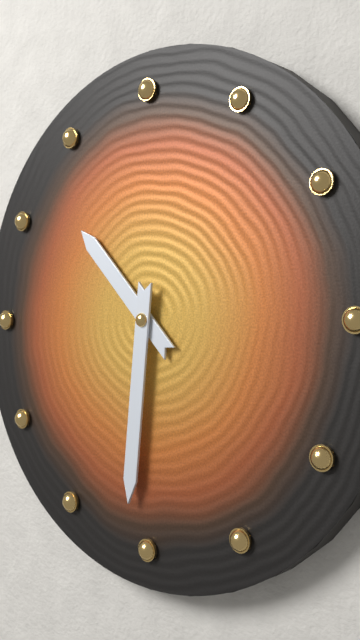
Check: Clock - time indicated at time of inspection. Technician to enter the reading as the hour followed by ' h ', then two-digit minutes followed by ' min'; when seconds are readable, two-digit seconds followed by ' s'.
10 h 31 min
